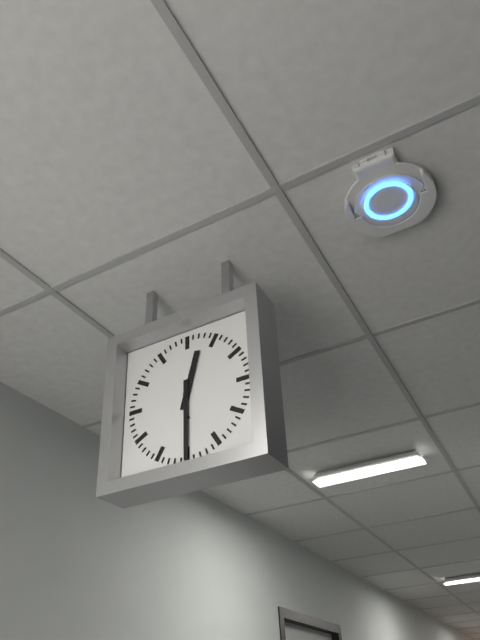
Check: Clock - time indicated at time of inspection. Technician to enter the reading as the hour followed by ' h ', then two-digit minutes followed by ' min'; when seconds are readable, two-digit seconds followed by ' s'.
12 h 30 min
